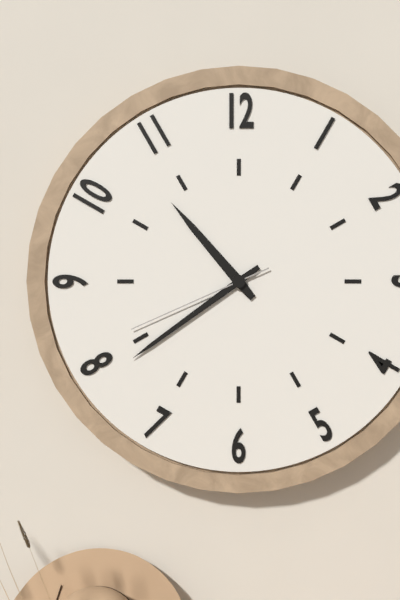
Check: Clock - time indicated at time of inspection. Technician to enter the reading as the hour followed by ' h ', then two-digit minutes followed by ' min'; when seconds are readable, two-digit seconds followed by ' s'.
10 h 39 min 41 s
